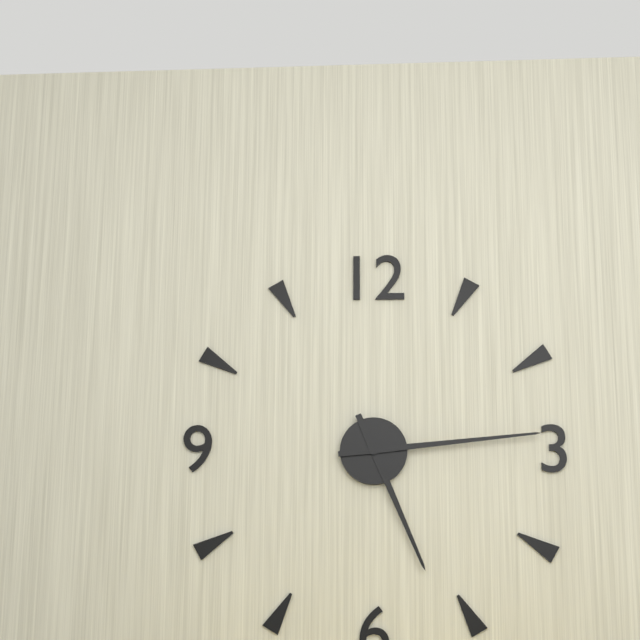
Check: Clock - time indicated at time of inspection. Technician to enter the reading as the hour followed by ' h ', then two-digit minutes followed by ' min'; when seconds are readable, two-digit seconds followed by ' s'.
5 h 14 min
